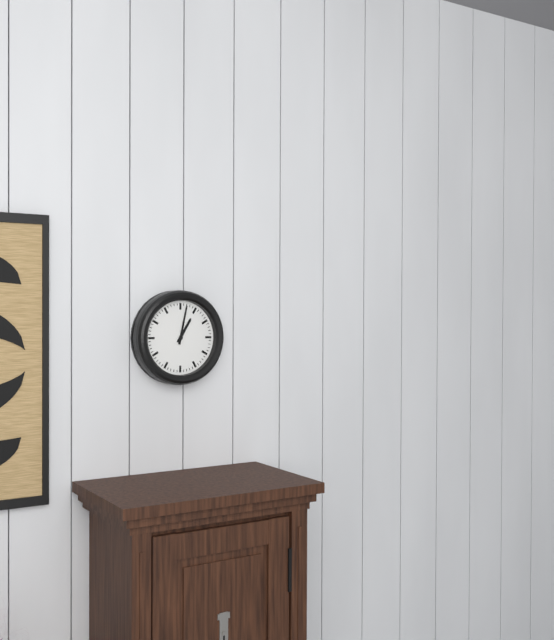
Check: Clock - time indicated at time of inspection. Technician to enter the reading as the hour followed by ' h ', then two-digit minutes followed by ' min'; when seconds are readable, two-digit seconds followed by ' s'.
1 h 02 min
